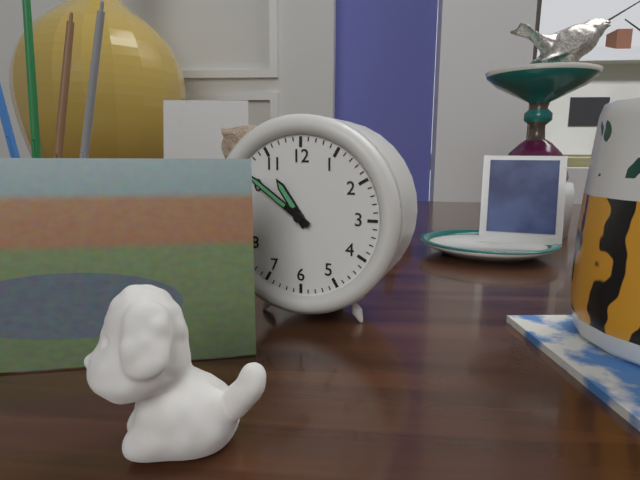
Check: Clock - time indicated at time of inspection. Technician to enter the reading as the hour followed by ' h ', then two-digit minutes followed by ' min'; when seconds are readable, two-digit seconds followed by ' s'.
10 h 51 min
